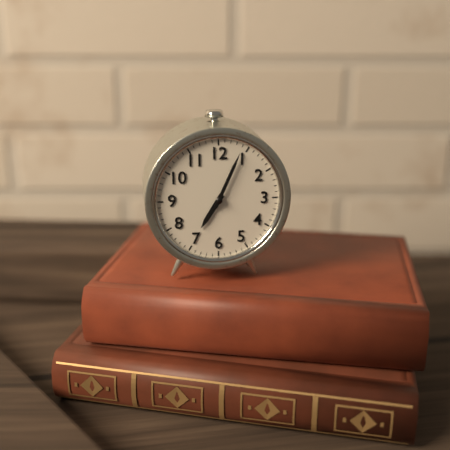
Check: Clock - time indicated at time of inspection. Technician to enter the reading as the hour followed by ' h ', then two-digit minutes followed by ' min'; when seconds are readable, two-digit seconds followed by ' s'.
7 h 04 min
